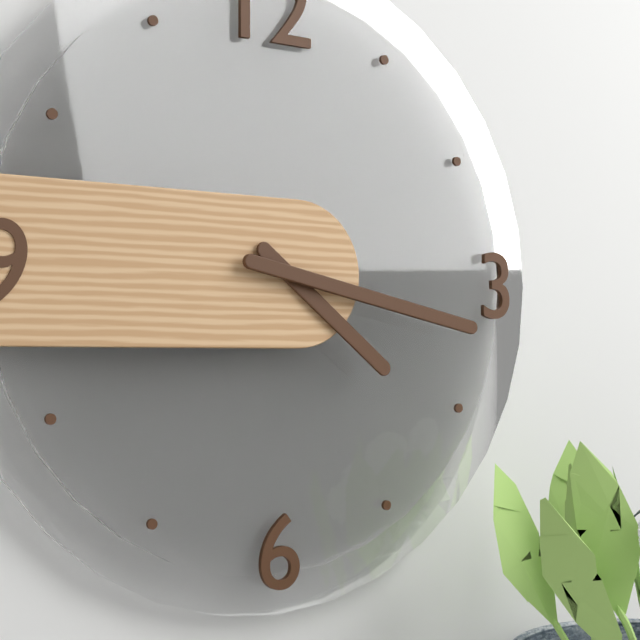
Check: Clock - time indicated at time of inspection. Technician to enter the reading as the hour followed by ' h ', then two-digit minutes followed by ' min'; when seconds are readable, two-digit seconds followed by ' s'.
4 h 17 min
